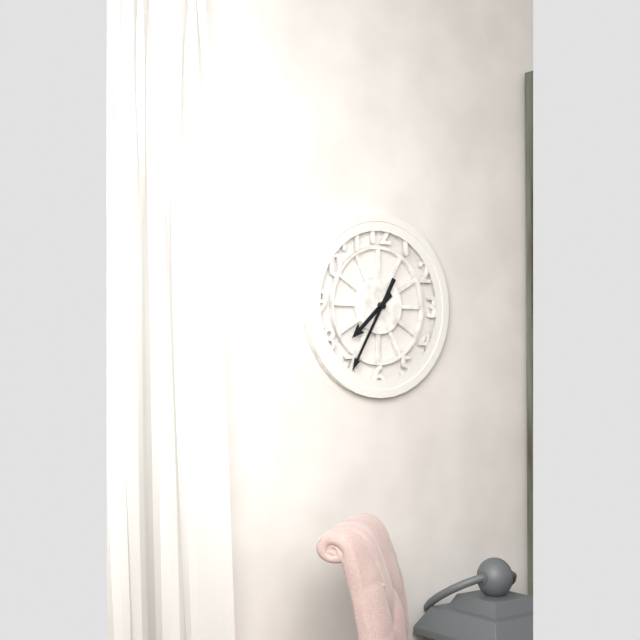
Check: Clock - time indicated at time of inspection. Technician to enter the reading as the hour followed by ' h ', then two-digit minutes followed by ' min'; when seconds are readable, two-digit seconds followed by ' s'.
7 h 35 min
